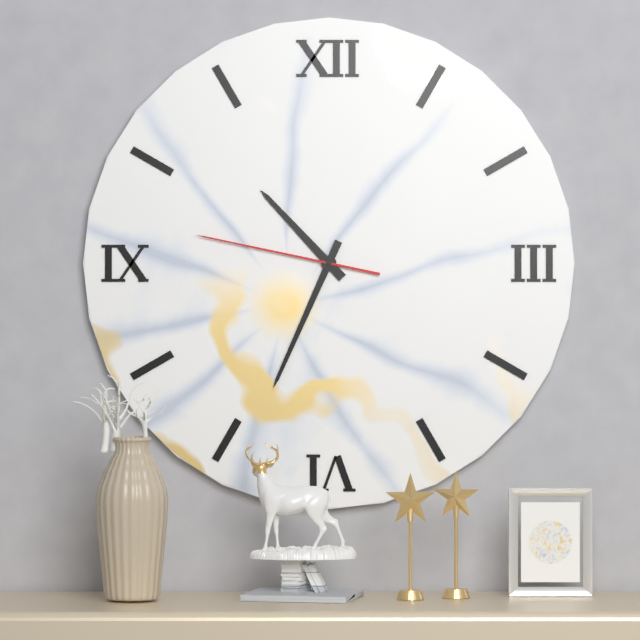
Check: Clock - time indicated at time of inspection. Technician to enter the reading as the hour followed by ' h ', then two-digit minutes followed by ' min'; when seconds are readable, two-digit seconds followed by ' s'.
10 h 34 min 47 s
